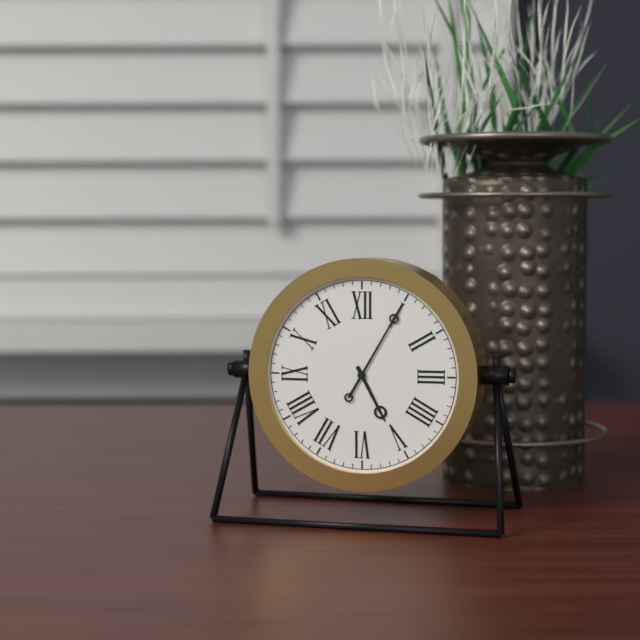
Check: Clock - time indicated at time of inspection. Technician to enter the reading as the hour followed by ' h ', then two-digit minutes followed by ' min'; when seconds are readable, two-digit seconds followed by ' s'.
5 h 05 min
